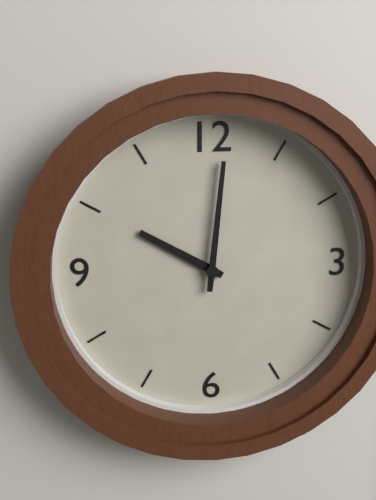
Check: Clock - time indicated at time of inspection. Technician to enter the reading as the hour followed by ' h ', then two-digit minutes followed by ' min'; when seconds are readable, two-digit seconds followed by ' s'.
10 h 01 min
